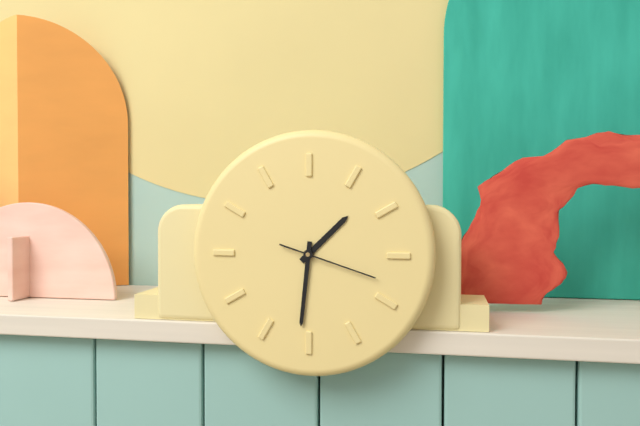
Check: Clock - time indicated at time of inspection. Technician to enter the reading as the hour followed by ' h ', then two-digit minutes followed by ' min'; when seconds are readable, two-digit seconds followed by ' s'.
1 h 31 min 18 s
